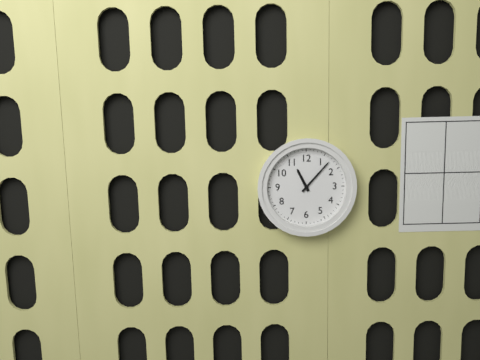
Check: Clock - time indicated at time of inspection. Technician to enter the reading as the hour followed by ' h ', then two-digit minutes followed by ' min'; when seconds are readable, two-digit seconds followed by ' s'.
11 h 07 min
